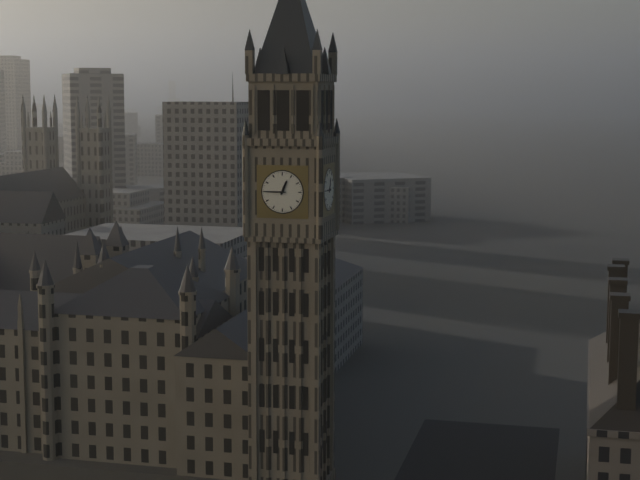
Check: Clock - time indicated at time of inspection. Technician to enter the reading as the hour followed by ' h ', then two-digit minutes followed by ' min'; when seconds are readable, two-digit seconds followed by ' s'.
12 h 45 min
